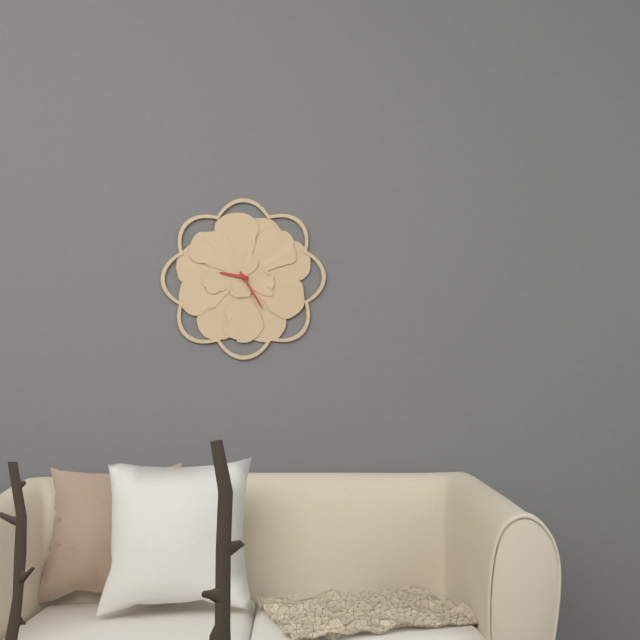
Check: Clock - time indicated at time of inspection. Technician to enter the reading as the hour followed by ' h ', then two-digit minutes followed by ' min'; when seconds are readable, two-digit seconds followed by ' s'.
9 h 25 min
